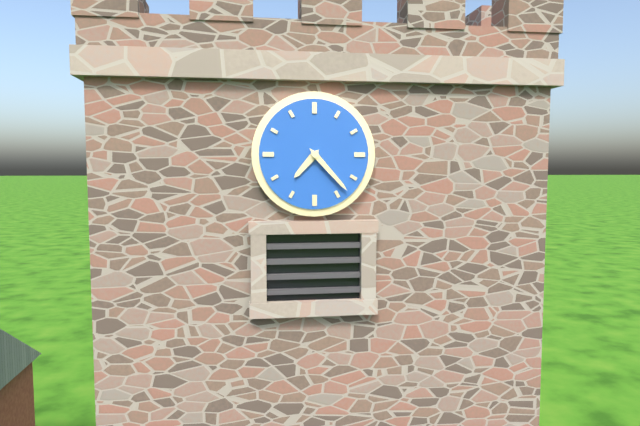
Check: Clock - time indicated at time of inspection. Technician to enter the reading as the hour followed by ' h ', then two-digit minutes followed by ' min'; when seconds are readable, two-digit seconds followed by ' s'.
7 h 23 min
